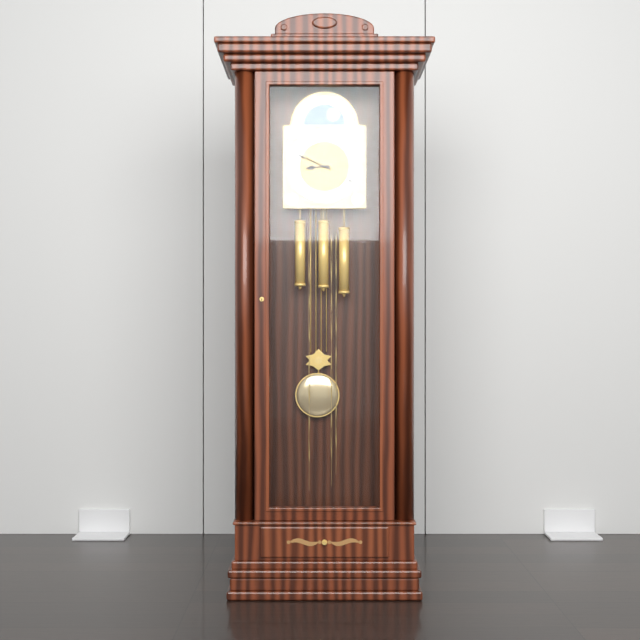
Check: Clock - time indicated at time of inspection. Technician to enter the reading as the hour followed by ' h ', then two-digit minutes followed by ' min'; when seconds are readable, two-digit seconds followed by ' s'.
8 h 49 min
